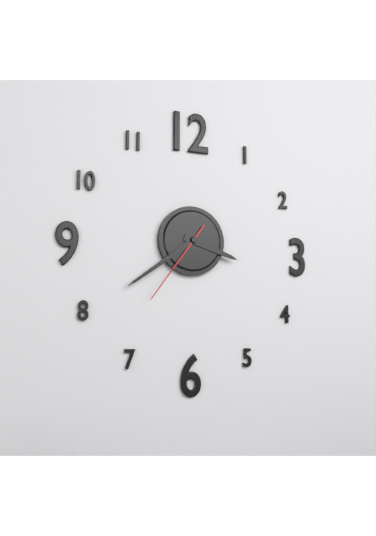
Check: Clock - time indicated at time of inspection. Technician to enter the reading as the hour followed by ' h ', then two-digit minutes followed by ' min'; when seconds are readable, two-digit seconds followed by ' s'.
3 h 39 min 36 s
